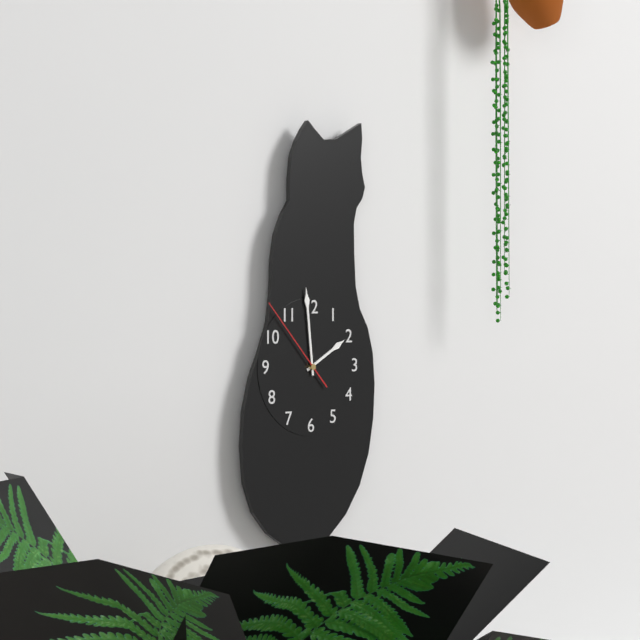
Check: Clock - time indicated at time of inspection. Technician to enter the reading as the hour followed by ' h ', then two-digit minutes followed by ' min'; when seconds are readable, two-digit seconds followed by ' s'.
1 h 59 min 53 s
